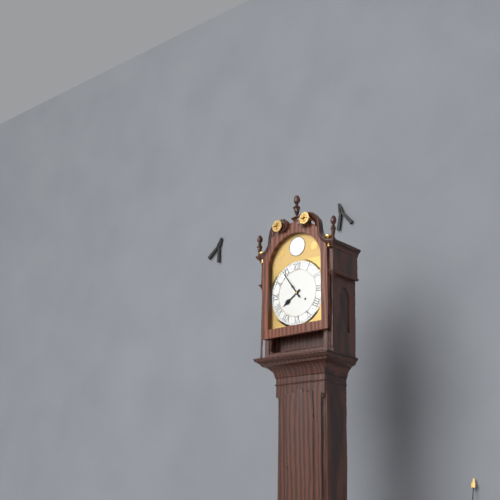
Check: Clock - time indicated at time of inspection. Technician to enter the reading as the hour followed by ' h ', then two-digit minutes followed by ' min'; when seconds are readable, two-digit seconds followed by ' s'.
7 h 54 min
